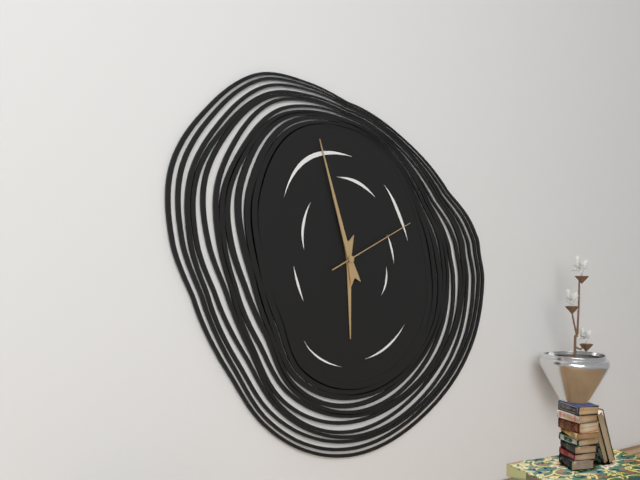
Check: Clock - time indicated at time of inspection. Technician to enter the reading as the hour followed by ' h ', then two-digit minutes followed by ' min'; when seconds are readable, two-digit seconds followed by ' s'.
5 h 57 min 11 s
